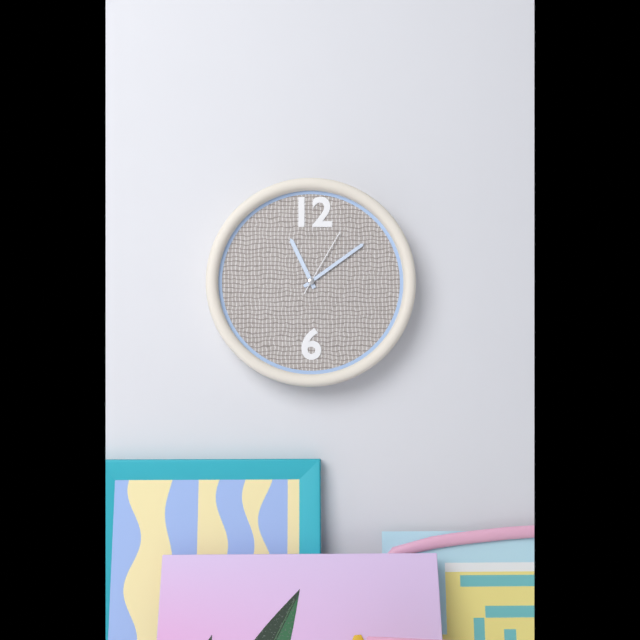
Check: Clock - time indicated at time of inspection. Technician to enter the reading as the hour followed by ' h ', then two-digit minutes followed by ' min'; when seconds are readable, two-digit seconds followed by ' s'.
11 h 09 min 05 s
